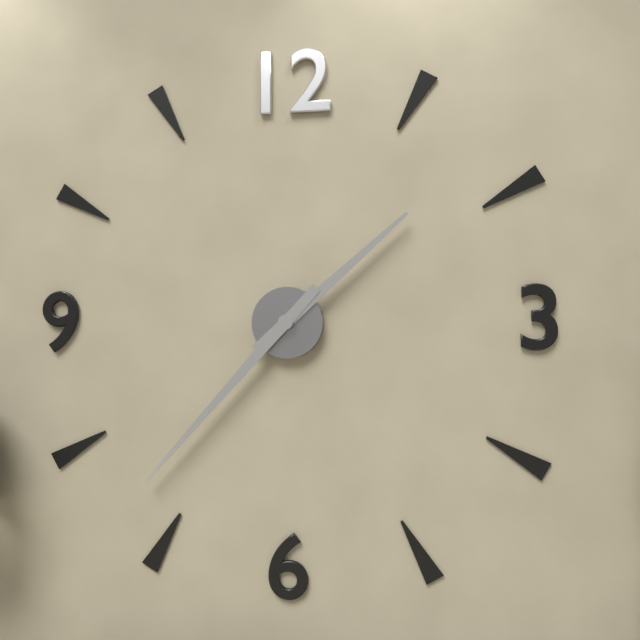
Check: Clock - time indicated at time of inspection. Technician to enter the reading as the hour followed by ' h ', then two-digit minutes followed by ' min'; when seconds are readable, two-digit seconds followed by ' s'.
1 h 37 min
